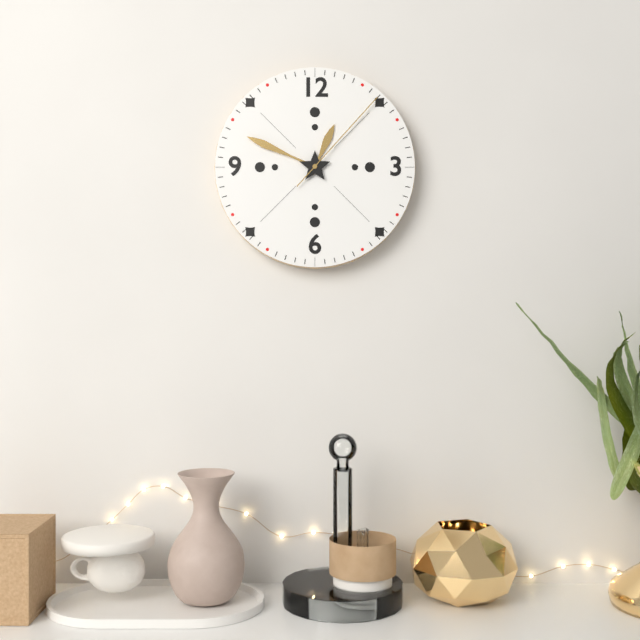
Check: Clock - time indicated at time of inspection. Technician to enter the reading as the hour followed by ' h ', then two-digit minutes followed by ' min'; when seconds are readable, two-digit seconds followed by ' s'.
12 h 49 min 07 s
